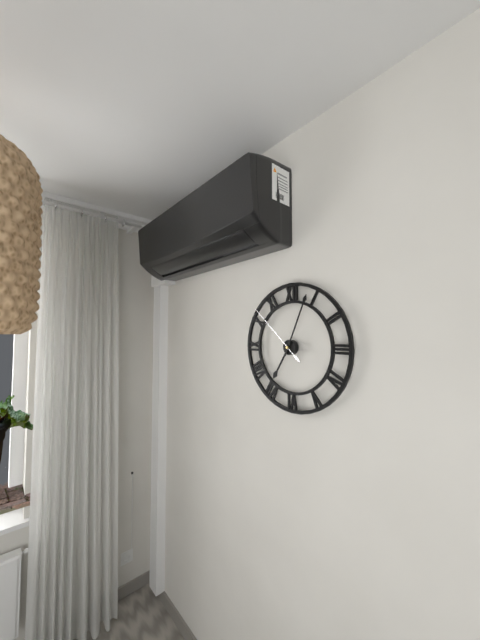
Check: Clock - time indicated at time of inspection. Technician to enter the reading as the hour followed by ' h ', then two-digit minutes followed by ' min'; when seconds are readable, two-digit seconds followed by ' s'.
7 h 04 min 52 s
